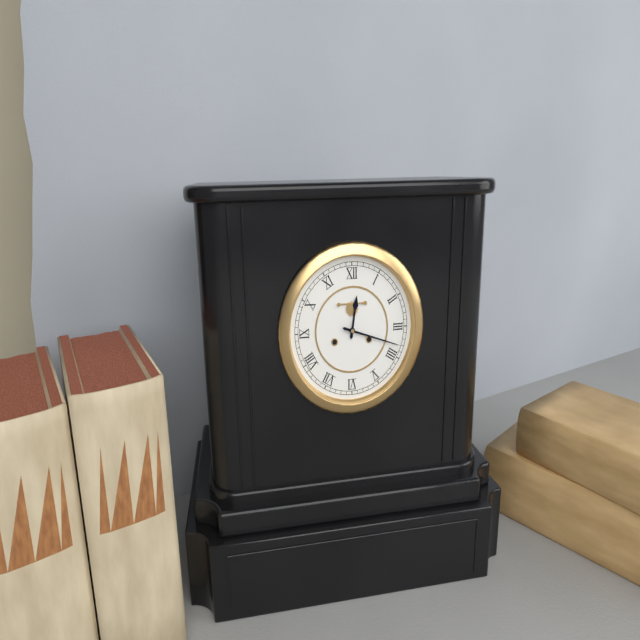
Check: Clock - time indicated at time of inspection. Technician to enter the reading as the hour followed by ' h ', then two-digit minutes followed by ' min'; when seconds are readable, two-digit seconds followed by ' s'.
12 h 18 min
